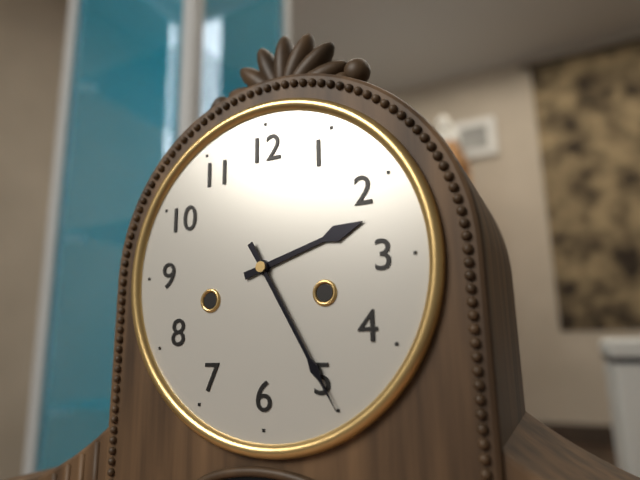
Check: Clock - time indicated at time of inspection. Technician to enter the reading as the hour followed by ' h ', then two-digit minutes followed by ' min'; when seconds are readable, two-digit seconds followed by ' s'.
2 h 25 min
